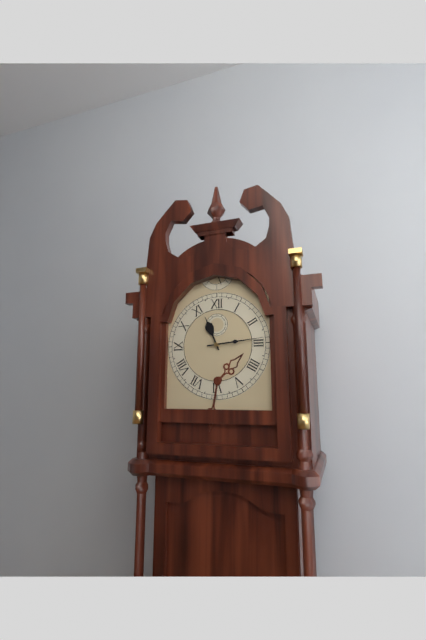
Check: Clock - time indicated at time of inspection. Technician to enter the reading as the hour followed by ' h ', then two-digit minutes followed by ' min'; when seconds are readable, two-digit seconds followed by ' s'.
11 h 14 min
